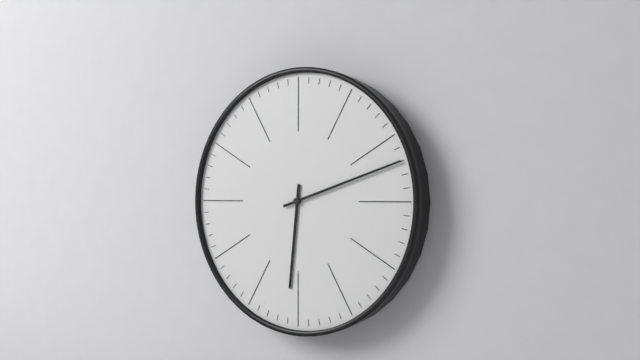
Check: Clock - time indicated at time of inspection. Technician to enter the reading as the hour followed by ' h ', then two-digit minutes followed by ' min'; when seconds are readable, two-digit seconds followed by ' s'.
6 h 12 min
